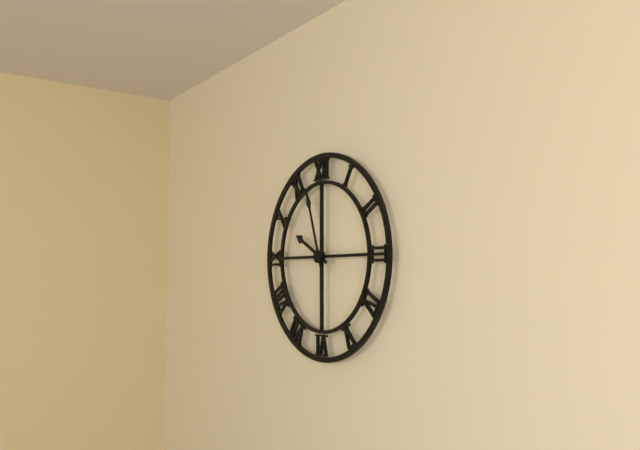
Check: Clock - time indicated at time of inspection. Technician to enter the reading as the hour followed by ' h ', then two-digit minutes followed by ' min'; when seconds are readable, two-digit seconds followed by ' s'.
9 h 57 min
